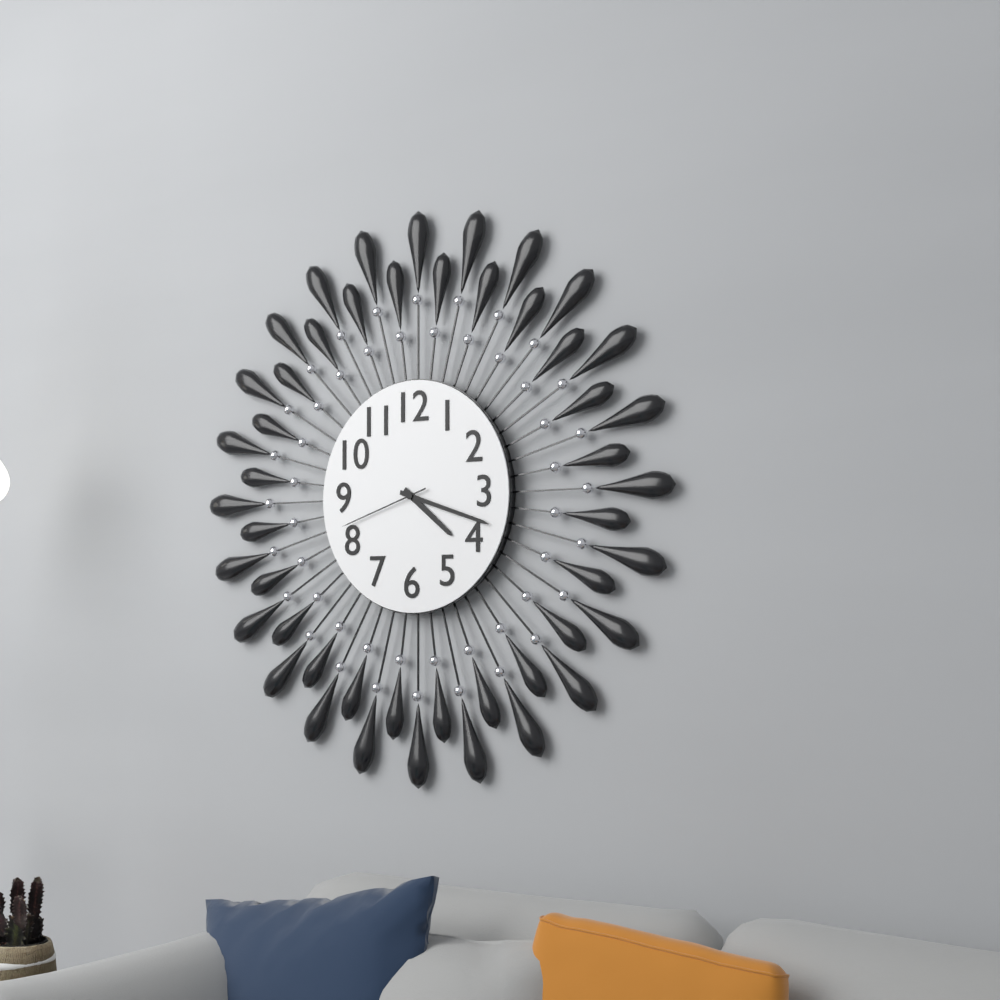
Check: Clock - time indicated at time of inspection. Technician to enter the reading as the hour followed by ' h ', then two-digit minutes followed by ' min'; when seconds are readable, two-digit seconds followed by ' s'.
4 h 18 min 42 s
